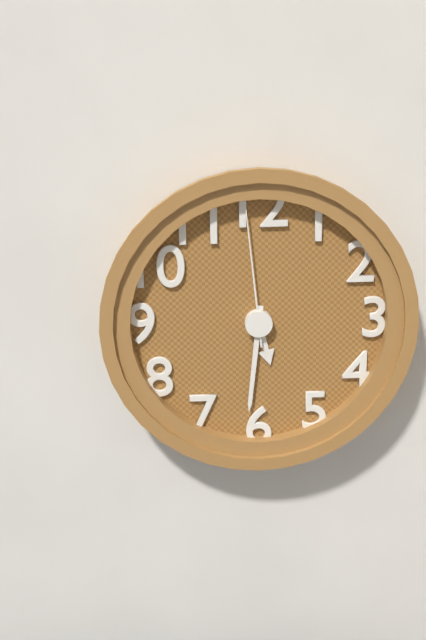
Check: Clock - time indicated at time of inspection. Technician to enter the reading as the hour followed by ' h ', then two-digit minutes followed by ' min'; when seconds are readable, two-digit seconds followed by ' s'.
5 h 31 min 59 s
